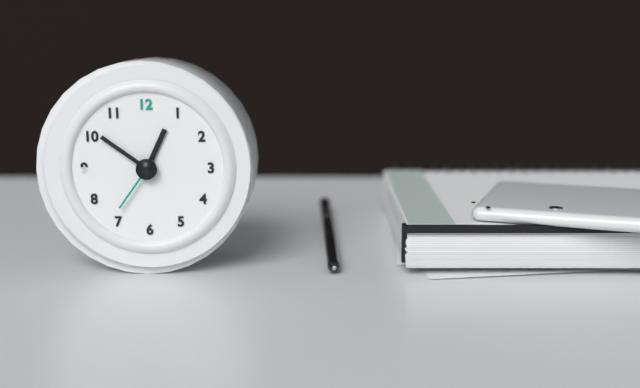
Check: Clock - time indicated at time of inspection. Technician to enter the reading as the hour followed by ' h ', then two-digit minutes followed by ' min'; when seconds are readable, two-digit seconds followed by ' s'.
12 h 51 min 36 s
